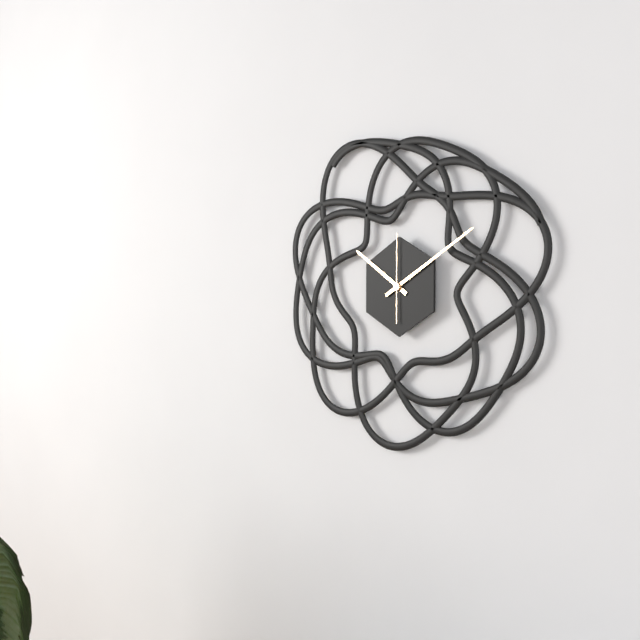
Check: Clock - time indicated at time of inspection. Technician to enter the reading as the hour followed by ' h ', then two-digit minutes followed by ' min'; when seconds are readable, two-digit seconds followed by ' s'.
10 h 10 min 00 s
